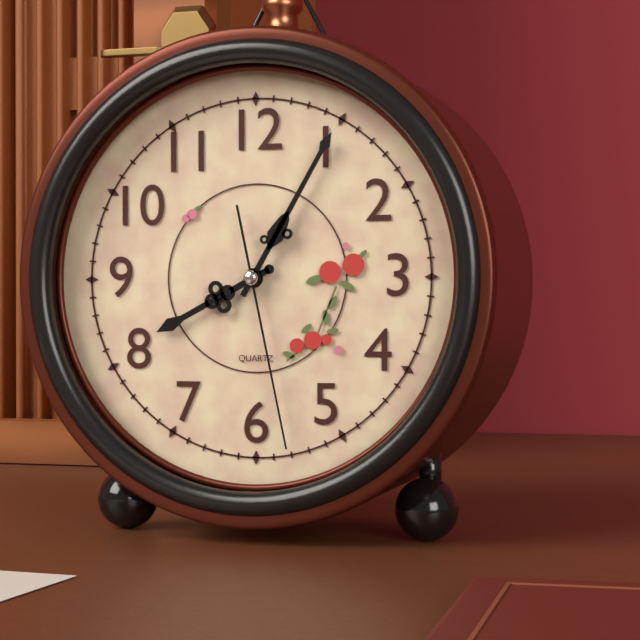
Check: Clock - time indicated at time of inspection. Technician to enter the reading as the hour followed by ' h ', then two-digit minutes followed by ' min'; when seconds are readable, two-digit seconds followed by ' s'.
8 h 05 min 28 s
